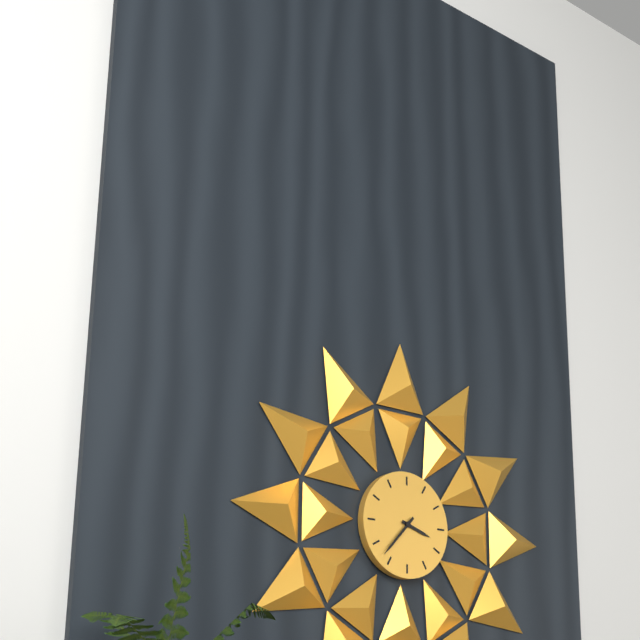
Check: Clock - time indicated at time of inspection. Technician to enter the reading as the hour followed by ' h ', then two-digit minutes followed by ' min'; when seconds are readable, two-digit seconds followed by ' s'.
3 h 37 min
